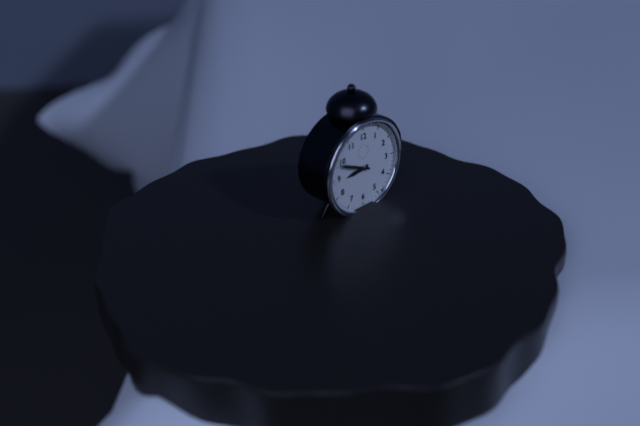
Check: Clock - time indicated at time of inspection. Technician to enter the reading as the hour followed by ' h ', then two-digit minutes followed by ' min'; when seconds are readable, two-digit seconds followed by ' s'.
8 h 49 min
